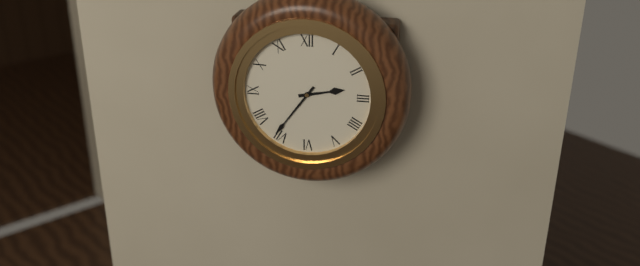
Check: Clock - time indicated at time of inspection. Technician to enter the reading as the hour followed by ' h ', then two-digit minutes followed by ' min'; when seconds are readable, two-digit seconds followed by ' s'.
2 h 36 min
